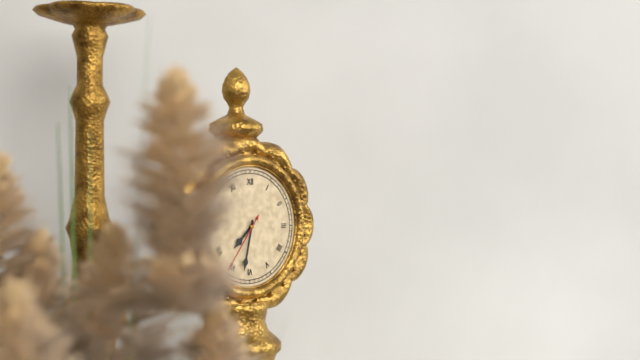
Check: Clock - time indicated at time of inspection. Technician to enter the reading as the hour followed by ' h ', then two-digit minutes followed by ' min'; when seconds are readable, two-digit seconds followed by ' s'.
7 h 32 min 36 s
